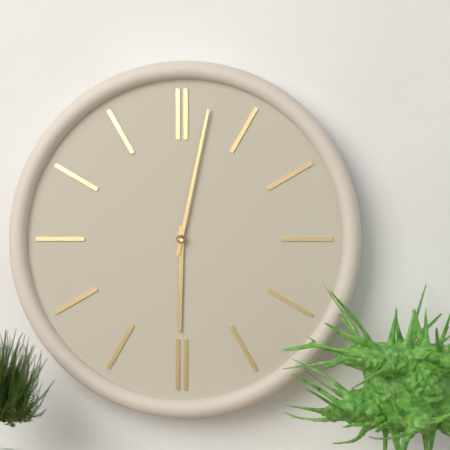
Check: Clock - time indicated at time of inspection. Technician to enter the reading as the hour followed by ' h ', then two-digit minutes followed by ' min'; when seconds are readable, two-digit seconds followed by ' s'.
6 h 02 min
